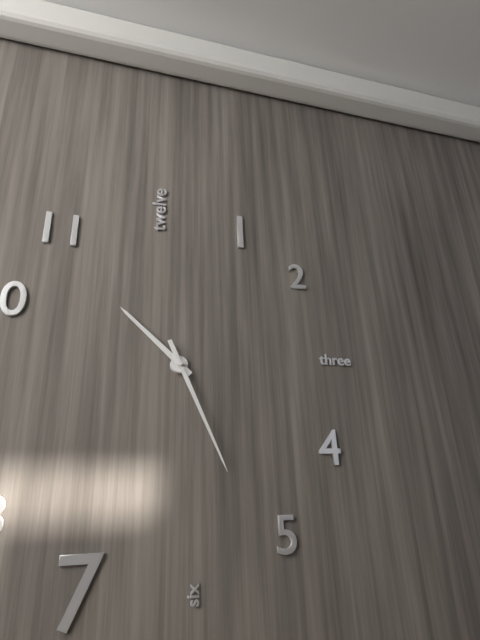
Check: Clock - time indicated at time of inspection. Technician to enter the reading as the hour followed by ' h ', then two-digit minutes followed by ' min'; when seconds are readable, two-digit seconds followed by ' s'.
10 h 26 min
